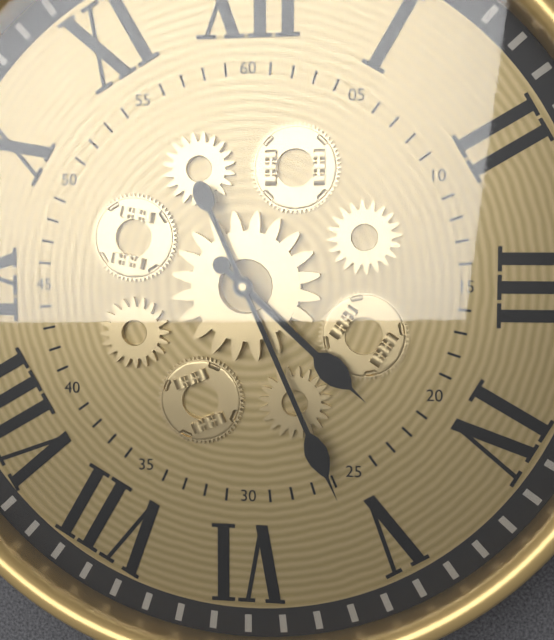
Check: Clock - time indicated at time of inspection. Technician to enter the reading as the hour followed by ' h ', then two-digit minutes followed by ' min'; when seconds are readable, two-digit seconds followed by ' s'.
4 h 26 min
